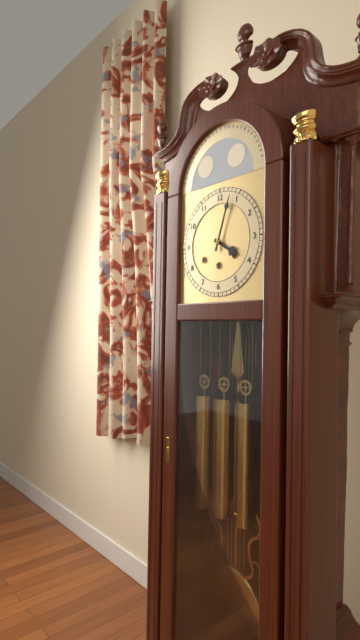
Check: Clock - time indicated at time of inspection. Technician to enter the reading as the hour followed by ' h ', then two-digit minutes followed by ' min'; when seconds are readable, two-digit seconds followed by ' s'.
4 h 03 min
